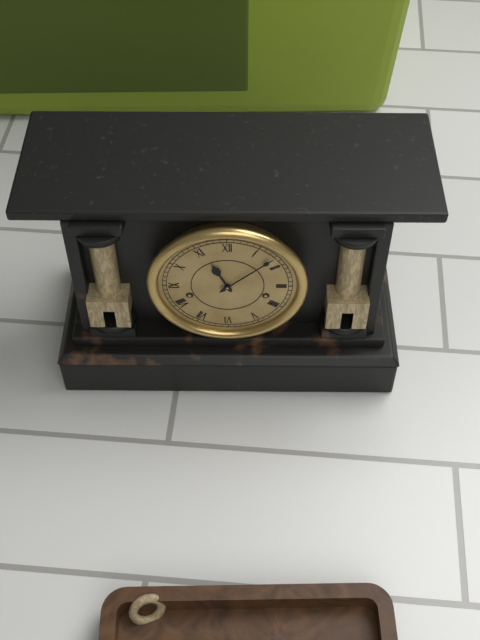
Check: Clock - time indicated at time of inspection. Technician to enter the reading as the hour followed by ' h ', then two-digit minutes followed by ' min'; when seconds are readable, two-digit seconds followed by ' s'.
11 h 08 min
